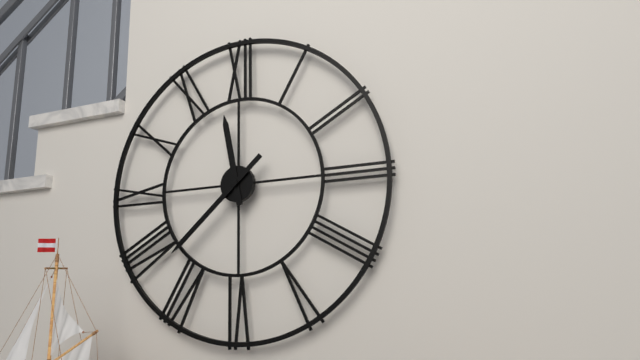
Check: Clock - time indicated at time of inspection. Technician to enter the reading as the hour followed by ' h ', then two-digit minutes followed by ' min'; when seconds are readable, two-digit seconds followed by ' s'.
11 h 38 min
